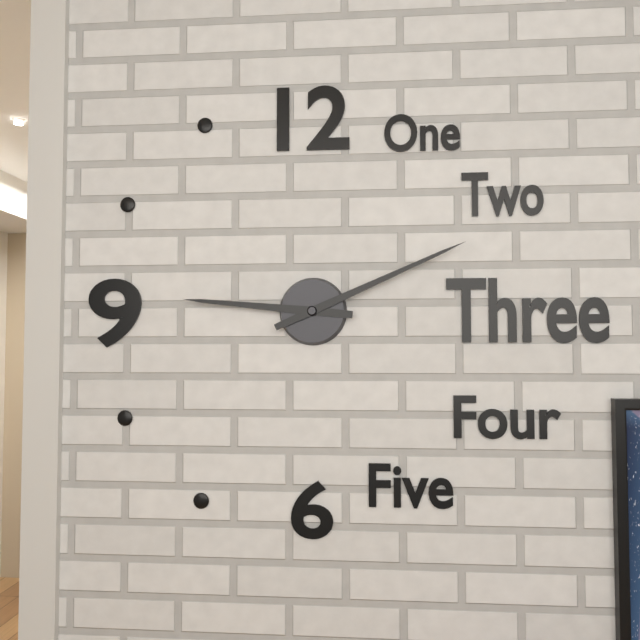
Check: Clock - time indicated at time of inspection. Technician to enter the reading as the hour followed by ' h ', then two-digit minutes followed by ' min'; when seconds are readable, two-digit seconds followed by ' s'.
9 h 11 min
